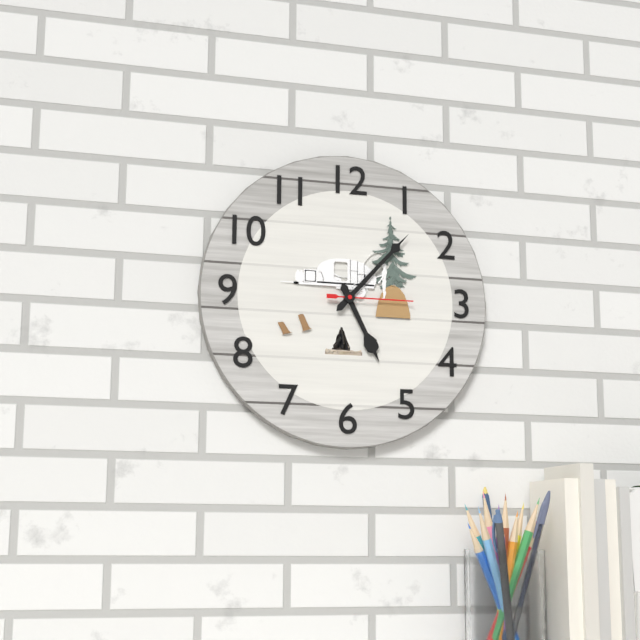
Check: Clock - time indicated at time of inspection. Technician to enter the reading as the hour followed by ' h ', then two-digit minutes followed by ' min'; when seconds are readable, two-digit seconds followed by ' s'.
5 h 07 min 15 s
